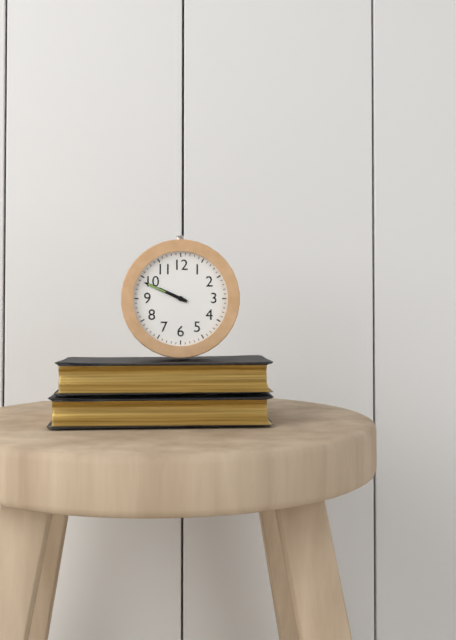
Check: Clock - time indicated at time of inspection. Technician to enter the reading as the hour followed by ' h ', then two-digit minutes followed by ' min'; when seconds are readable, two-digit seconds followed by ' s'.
9 h 49 min
